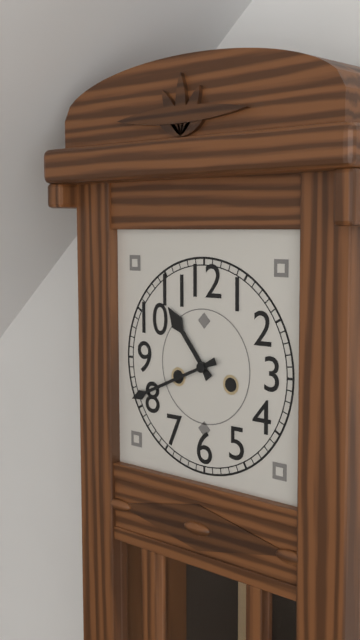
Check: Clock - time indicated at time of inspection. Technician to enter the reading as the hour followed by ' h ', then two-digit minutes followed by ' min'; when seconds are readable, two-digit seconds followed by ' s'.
10 h 41 min
